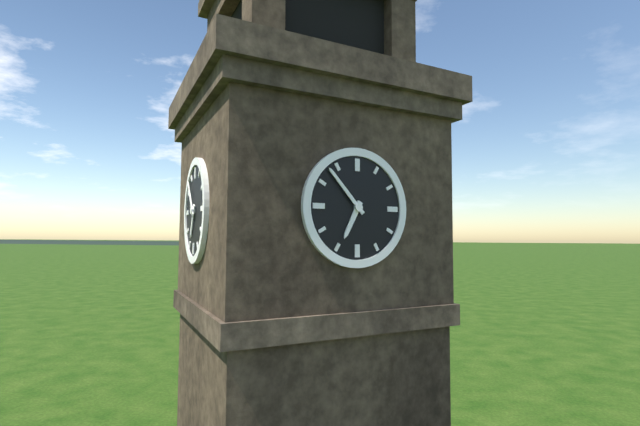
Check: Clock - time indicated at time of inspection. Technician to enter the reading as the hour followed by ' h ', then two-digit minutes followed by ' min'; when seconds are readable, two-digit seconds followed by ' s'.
6 h 53 min
